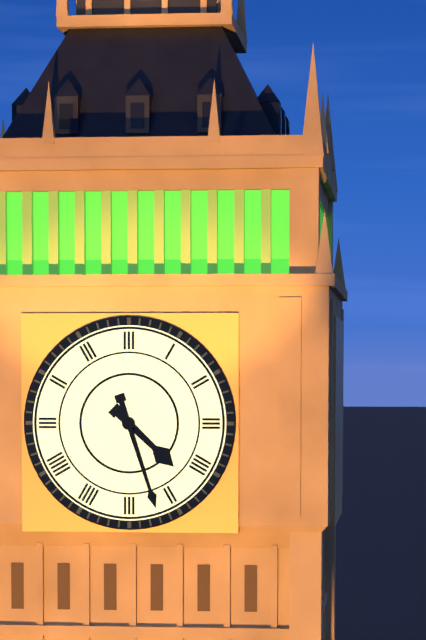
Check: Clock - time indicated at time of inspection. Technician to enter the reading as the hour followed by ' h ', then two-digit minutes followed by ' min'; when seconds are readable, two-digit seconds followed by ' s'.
4 h 27 min
